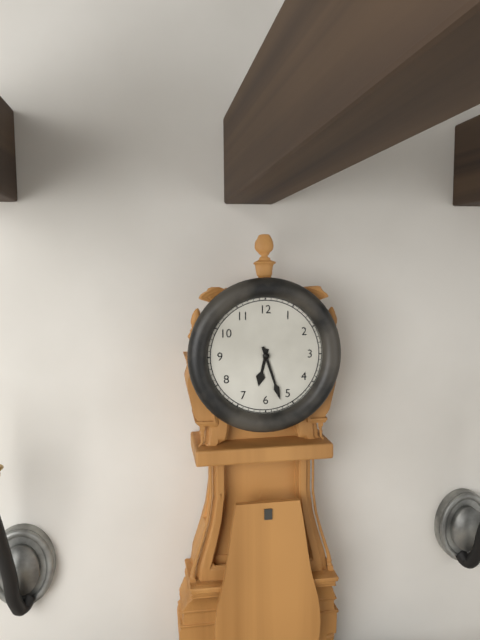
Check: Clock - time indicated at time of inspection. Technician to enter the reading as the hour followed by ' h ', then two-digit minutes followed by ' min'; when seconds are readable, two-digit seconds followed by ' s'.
6 h 27 min
